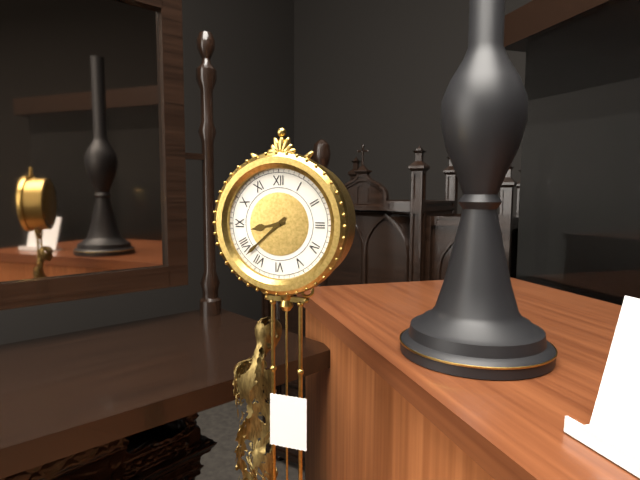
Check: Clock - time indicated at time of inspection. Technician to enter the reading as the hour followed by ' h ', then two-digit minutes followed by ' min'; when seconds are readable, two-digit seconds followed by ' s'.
8 h 38 min
